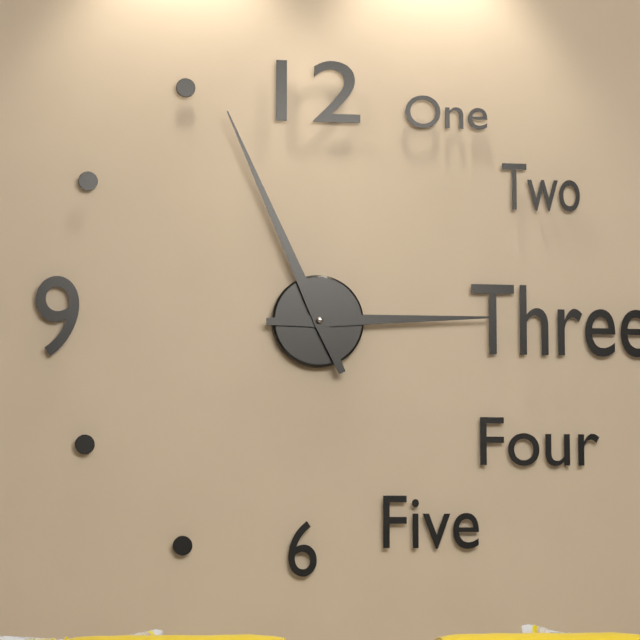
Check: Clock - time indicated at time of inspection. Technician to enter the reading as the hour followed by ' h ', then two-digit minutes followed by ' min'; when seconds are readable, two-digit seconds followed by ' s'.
2 h 56 min
